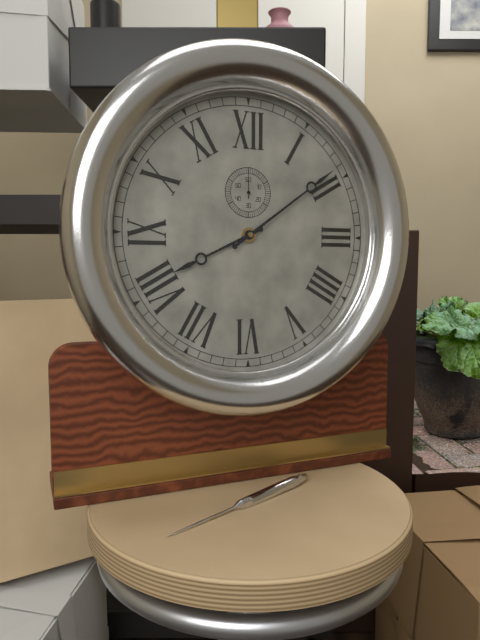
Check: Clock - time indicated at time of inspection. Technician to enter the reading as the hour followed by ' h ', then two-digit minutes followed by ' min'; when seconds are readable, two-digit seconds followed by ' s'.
8 h 09 min
